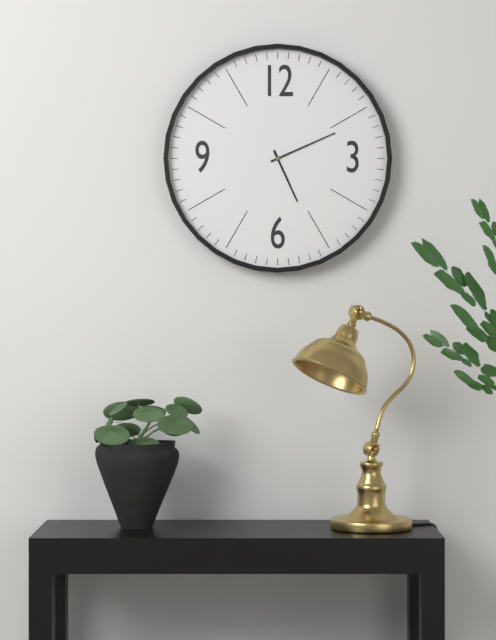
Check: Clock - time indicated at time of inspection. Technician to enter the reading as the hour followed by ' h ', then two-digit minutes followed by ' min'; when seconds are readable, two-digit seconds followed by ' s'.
5 h 11 min
